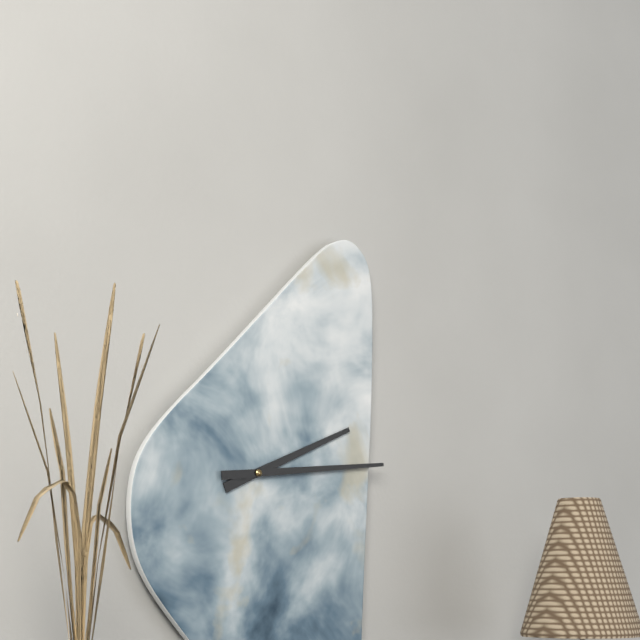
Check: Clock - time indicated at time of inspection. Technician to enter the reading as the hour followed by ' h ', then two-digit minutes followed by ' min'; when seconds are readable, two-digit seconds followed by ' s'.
2 h 14 min
